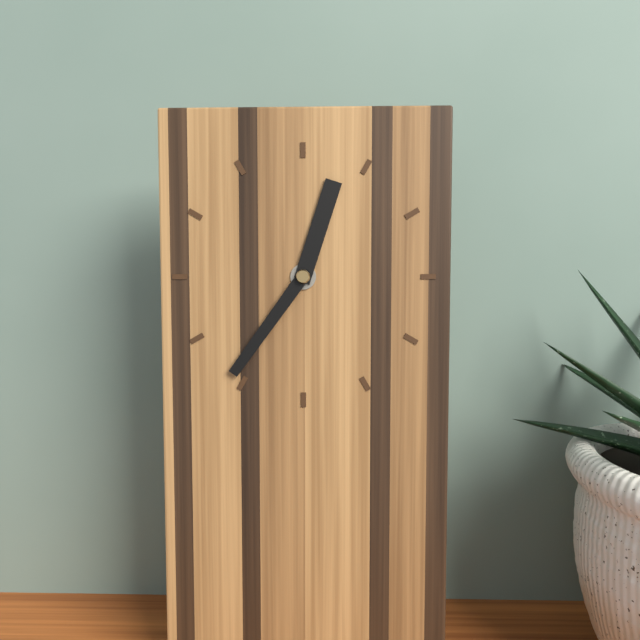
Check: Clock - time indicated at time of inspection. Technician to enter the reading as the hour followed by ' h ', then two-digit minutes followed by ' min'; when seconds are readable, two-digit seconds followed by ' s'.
12 h 36 min
